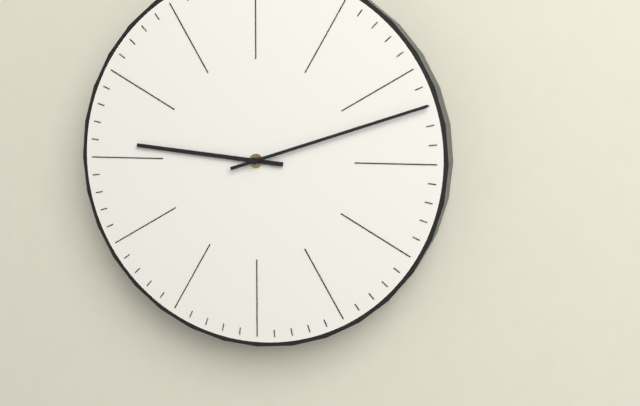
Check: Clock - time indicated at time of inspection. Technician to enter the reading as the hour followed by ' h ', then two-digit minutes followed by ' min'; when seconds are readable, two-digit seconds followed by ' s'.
9 h 12 min
